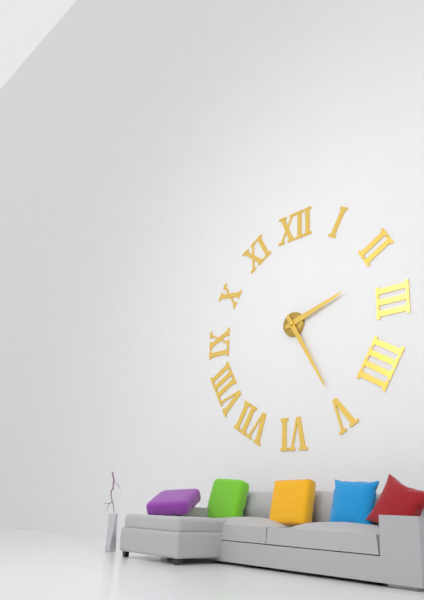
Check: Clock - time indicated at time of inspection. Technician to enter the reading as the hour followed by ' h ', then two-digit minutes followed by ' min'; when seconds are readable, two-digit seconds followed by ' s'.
2 h 25 min
